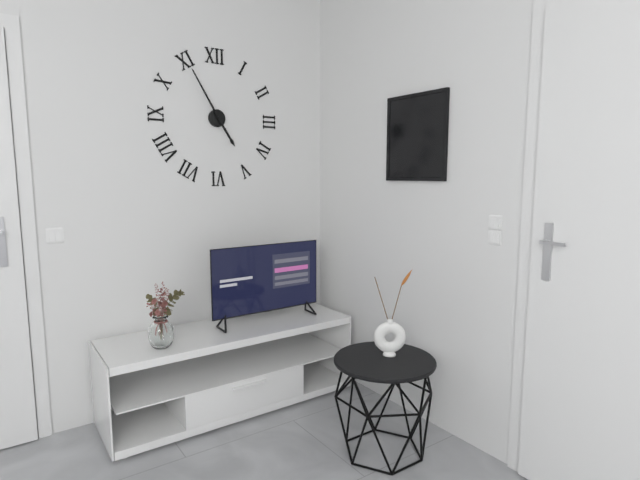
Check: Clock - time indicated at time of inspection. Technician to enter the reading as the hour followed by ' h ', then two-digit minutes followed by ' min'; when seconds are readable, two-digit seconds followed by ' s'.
4 h 55 min
